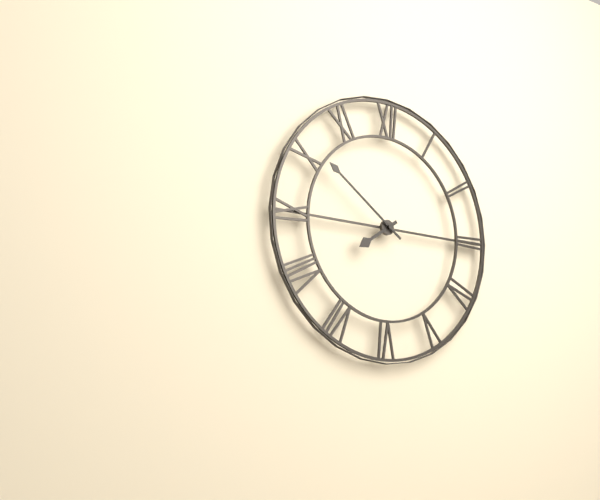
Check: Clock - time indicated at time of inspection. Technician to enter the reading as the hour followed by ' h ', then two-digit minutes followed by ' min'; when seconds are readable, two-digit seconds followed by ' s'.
7 h 51 min
